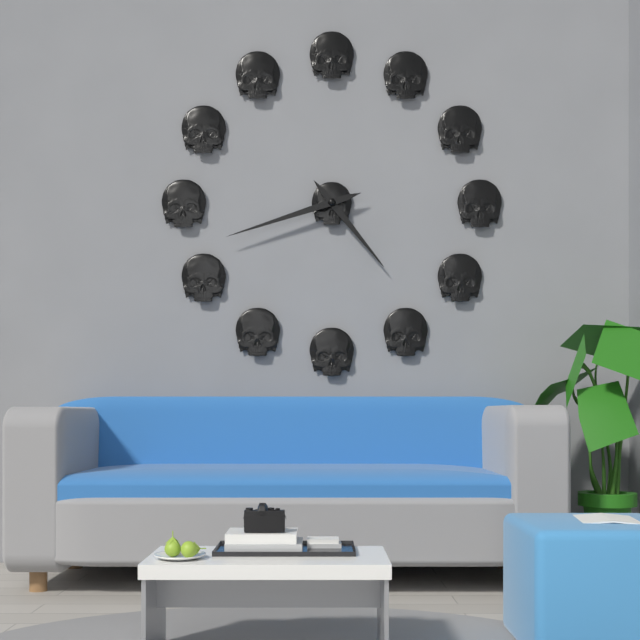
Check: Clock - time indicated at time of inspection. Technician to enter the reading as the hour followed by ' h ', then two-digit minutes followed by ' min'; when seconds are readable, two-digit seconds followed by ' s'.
4 h 42 min
